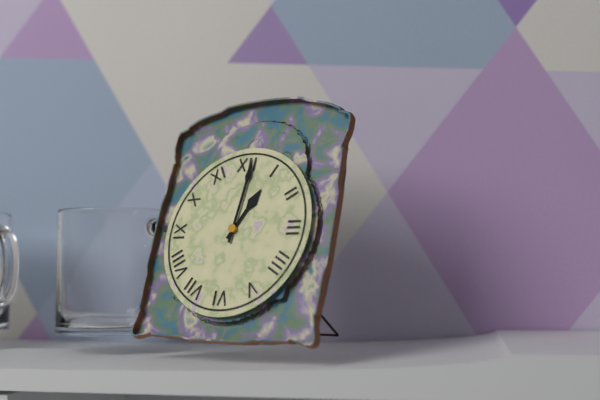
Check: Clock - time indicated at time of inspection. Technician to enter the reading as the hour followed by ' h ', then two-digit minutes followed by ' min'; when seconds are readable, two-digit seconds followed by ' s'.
1 h 01 min
